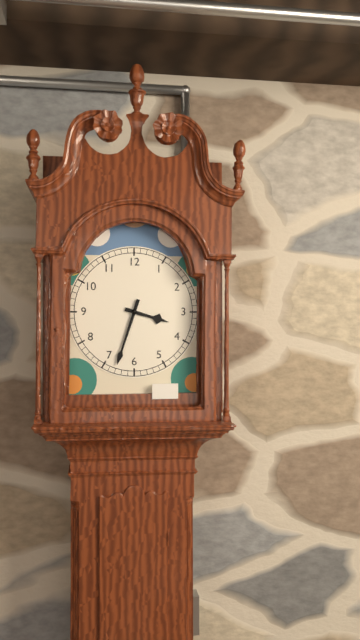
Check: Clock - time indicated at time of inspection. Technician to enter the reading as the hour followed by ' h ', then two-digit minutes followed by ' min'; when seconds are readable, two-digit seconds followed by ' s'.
3 h 33 min
